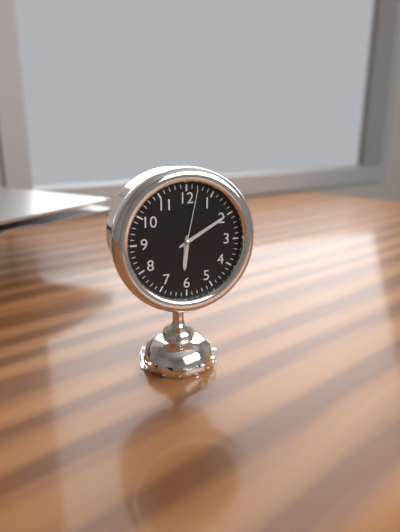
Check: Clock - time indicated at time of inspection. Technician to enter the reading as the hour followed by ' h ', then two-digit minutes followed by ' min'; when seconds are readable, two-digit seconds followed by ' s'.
6 h 10 min 02 s
